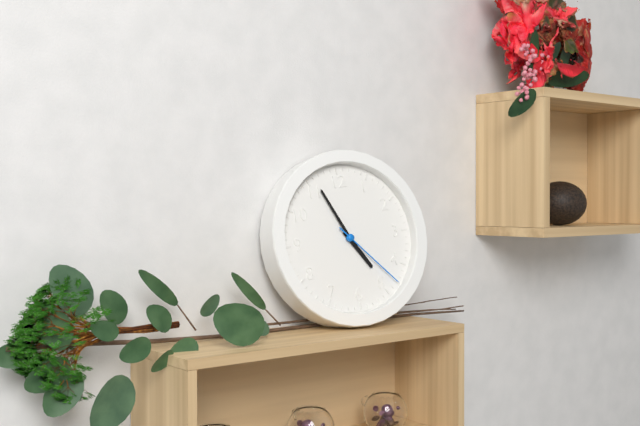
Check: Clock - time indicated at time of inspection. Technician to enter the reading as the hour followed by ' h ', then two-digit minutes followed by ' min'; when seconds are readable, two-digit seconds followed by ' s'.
4 h 56 min 23 s
